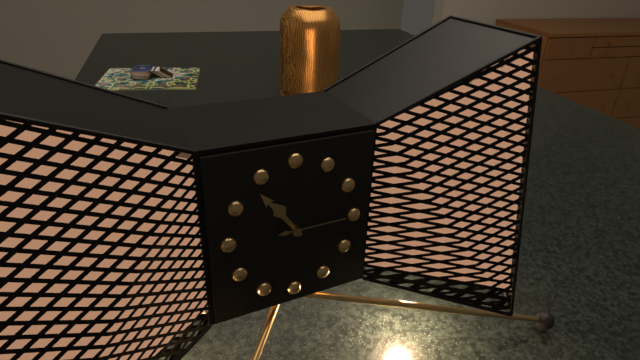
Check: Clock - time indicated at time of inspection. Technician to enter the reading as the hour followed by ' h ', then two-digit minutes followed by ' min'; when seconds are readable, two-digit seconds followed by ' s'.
10 h 54 min 15 s
